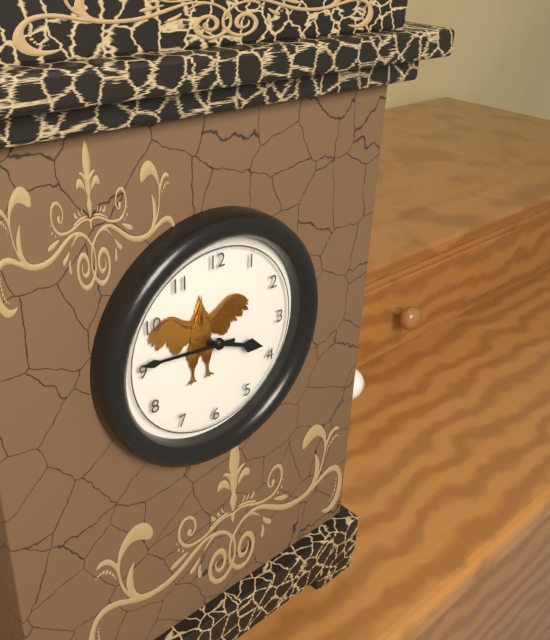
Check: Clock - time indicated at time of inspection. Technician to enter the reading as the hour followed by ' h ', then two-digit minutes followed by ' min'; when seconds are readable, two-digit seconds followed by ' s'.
3 h 46 min
